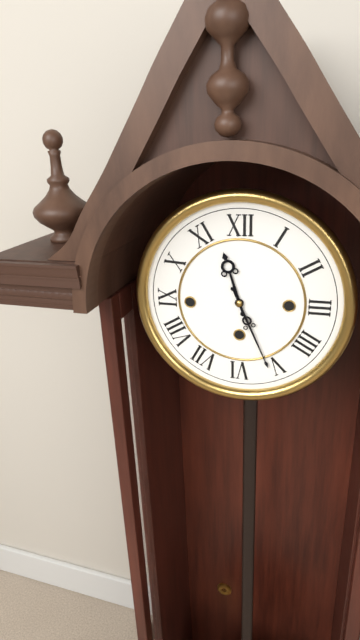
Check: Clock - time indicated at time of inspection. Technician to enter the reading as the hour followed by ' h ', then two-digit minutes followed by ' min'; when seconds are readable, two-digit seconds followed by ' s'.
11 h 26 min
